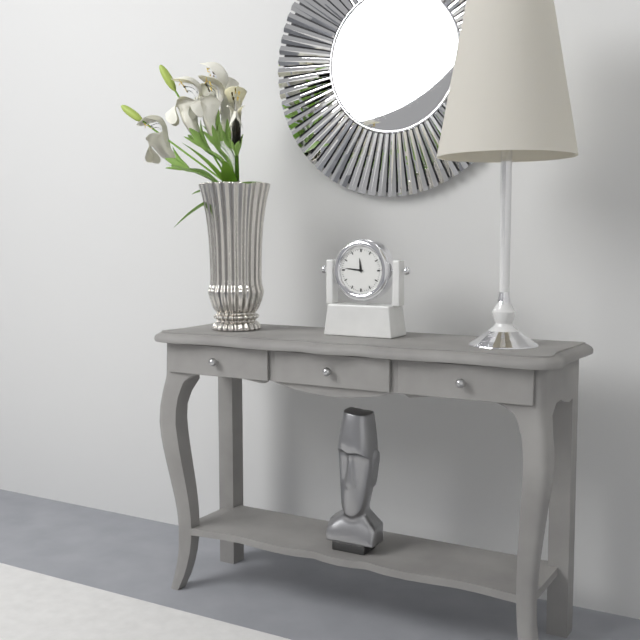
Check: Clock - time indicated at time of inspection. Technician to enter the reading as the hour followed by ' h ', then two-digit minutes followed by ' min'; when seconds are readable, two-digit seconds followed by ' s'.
11 h 46 min
